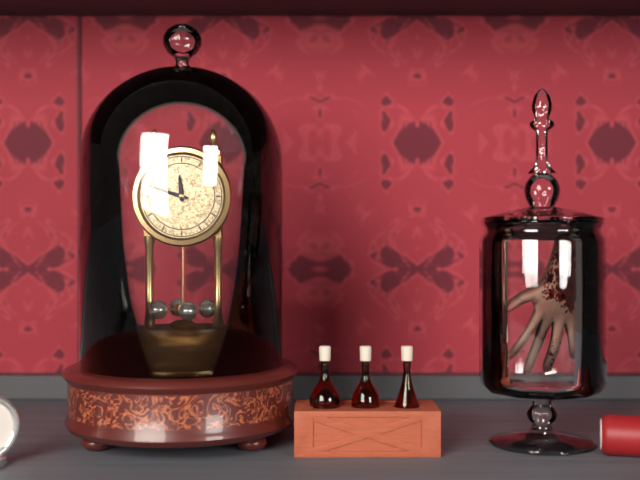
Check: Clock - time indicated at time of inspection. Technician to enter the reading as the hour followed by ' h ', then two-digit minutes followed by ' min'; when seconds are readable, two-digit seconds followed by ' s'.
11 h 48 min
